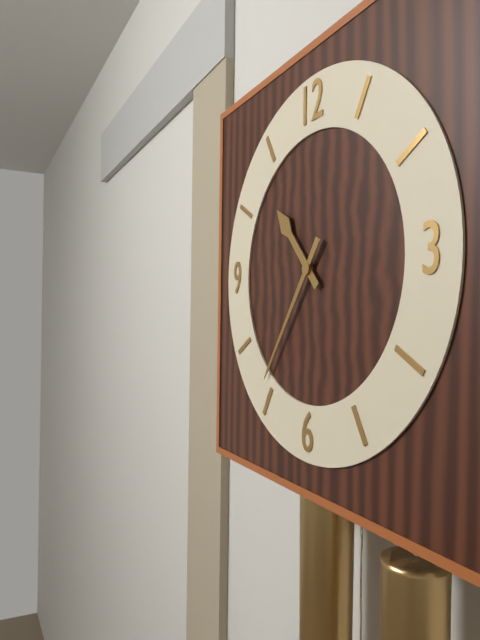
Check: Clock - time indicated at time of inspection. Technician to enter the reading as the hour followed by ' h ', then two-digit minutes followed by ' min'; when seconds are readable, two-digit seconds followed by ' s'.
10 h 36 min
